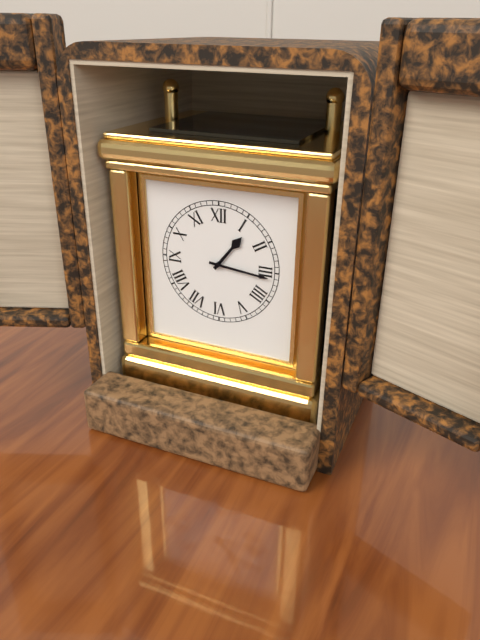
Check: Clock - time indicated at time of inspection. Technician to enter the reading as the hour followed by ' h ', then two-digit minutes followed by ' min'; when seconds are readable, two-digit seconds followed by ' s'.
1 h 16 min
